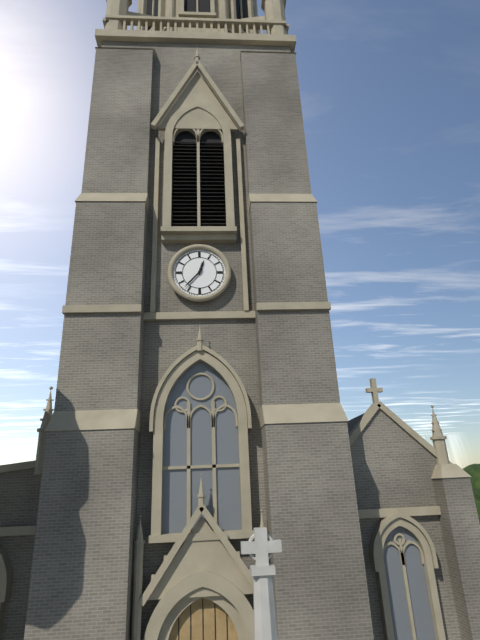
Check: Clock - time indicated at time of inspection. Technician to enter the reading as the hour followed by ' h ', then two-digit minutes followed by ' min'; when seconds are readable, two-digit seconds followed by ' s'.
12 h 37 min
